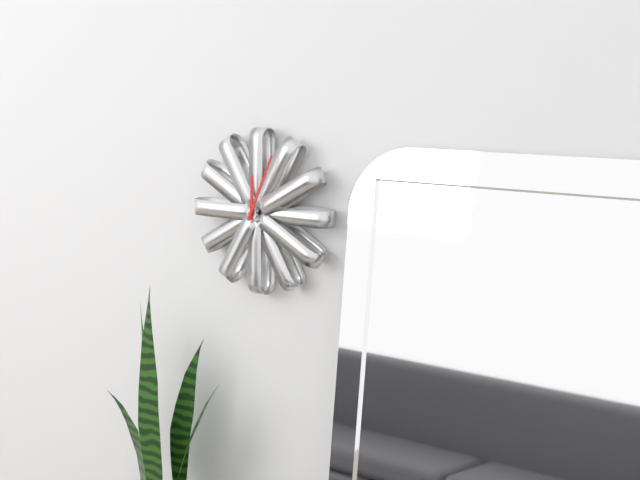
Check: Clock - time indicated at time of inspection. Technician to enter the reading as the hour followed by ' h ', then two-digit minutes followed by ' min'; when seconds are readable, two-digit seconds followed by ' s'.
12 h 04 min
